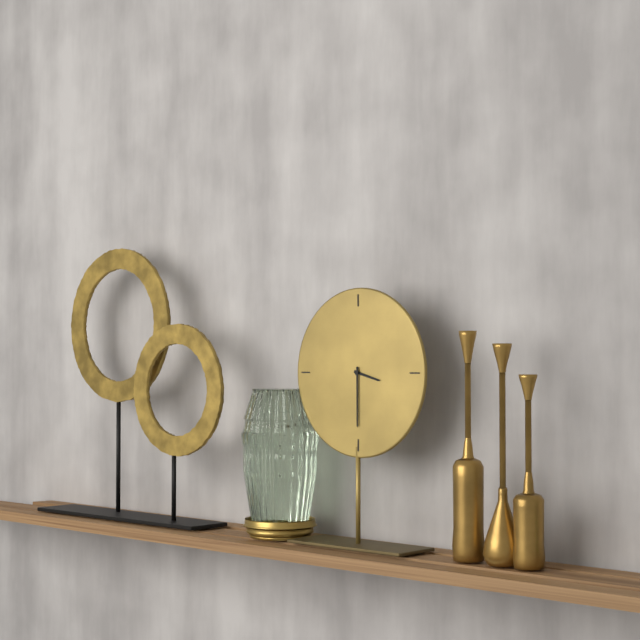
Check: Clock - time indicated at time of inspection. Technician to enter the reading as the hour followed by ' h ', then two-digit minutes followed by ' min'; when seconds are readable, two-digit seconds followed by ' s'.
3 h 30 min
